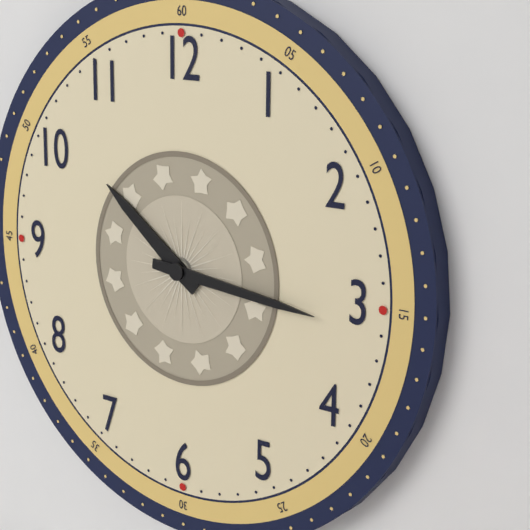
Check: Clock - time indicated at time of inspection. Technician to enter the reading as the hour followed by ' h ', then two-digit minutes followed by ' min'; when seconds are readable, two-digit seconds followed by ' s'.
10 h 16 min
